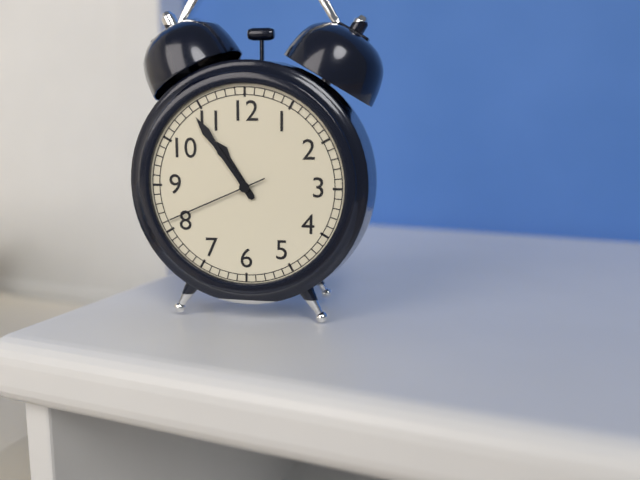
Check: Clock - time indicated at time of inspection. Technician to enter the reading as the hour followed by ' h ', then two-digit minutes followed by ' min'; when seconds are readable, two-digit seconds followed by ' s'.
10 h 54 min 41 s
